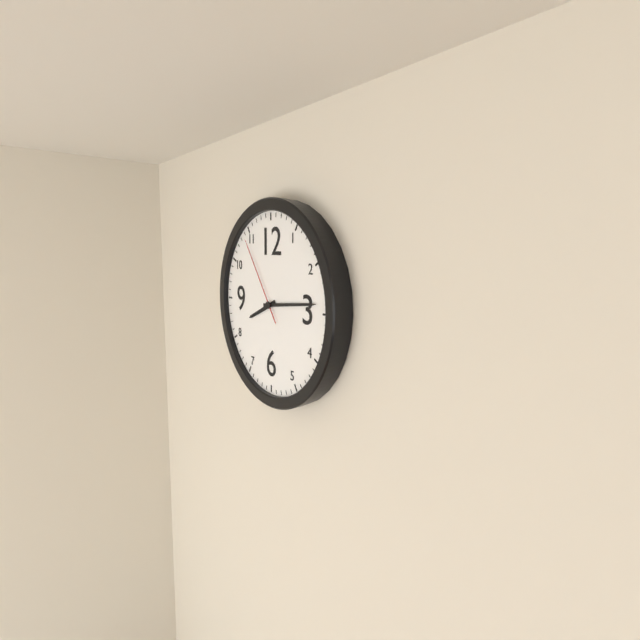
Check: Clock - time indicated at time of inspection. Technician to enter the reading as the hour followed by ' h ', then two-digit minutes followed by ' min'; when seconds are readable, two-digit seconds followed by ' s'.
8 h 14 min 54 s
